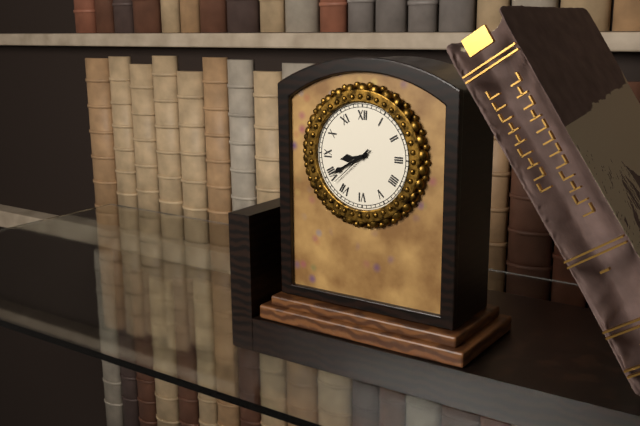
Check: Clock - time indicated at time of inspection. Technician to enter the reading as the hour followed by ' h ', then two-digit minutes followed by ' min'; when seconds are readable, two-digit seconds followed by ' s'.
8 h 40 min
